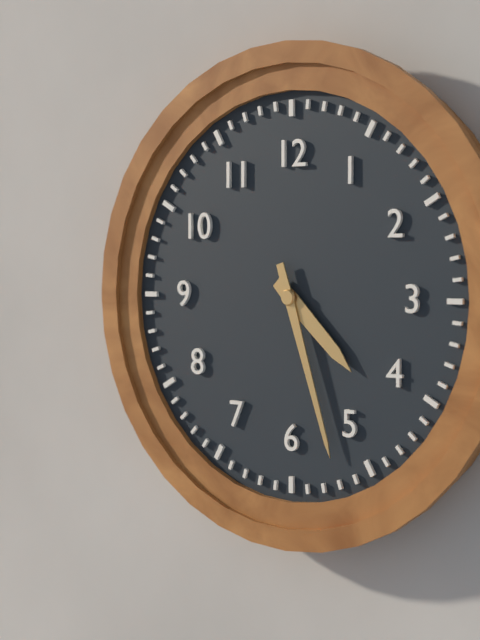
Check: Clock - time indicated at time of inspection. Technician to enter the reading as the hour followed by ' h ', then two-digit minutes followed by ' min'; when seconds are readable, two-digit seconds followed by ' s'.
4 h 27 min
